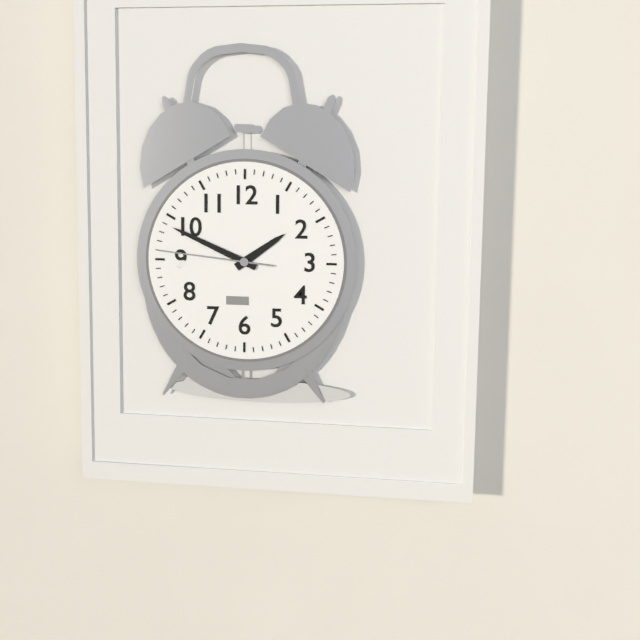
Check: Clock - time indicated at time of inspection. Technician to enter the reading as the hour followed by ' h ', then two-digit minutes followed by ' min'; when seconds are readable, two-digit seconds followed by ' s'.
1 h 49 min 46 s
